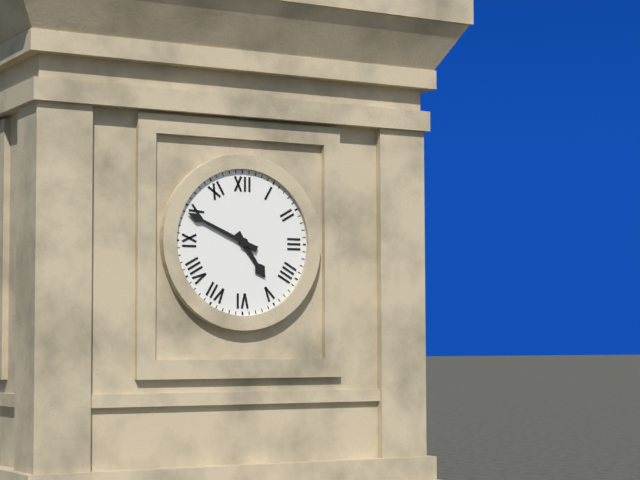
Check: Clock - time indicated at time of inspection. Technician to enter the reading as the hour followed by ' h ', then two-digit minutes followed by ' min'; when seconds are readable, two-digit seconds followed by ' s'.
4 h 49 min
